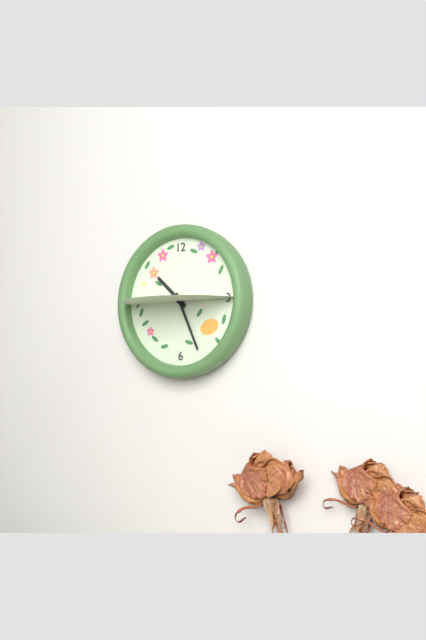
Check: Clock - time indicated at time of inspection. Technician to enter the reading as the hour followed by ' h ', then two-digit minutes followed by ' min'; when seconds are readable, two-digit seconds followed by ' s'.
10 h 26 min
